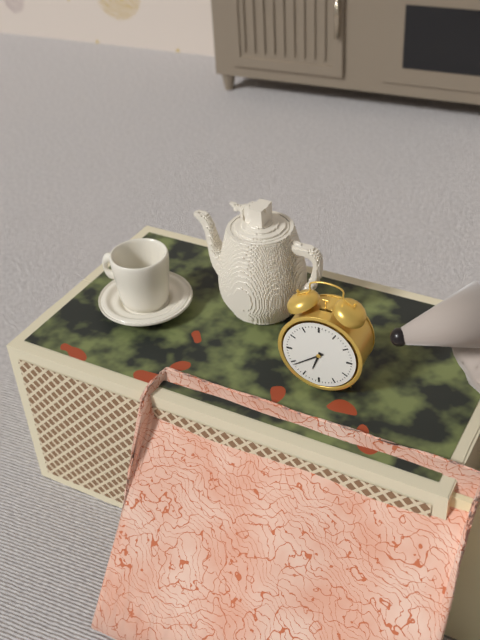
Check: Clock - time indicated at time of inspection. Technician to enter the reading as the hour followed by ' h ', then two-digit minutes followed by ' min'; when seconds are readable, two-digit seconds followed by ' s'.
6 h 39 min
